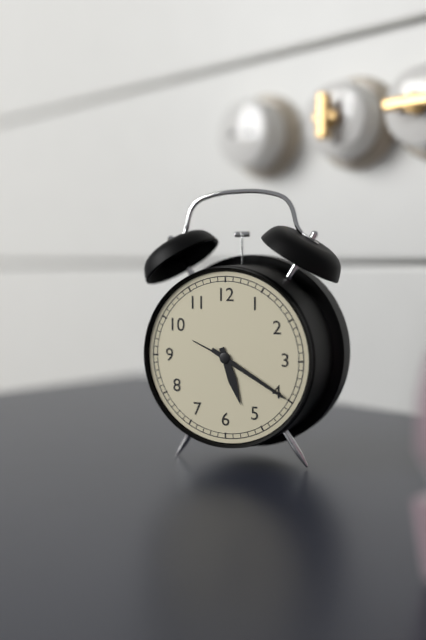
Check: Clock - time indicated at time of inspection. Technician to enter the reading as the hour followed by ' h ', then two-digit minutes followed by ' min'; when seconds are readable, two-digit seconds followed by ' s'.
5 h 20 min
